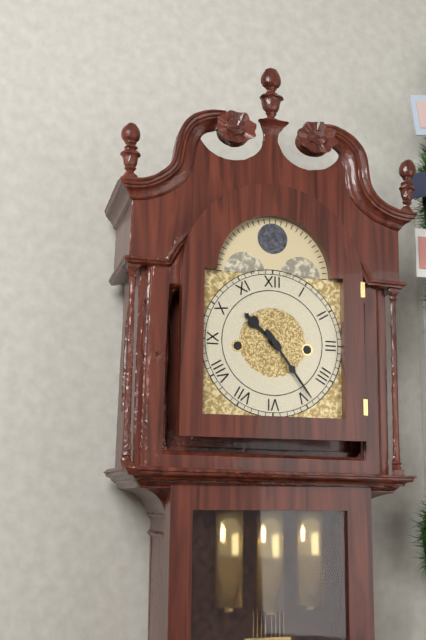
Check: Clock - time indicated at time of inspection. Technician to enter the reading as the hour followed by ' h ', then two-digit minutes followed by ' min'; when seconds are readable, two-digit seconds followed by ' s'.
10 h 24 min
